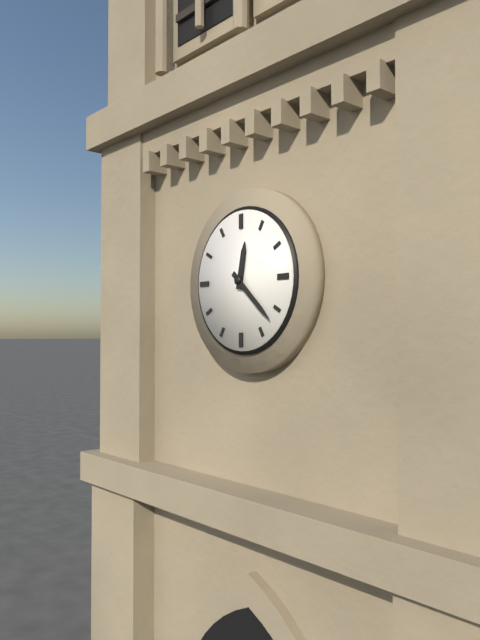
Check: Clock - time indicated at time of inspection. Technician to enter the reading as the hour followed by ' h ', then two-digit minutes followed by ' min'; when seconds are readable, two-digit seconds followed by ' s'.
12 h 22 min
